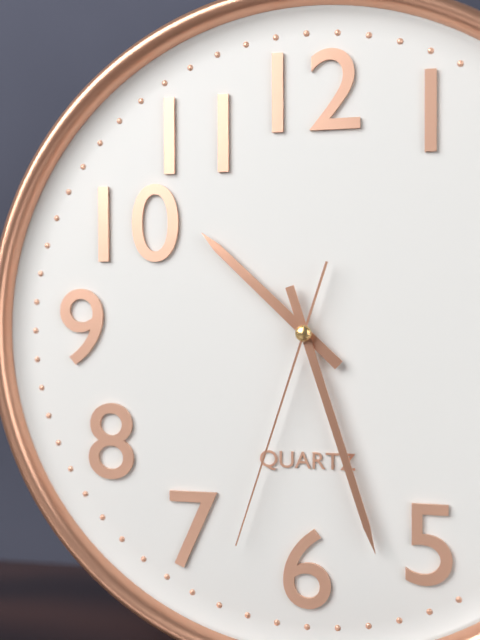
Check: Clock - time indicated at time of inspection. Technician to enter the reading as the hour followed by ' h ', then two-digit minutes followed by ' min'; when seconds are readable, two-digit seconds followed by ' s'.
10 h 27 min 33 s
